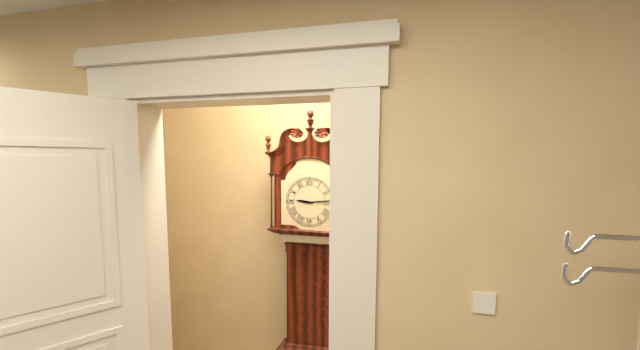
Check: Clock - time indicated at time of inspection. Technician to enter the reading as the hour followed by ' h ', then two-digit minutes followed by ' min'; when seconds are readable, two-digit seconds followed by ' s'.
9 h 14 min
